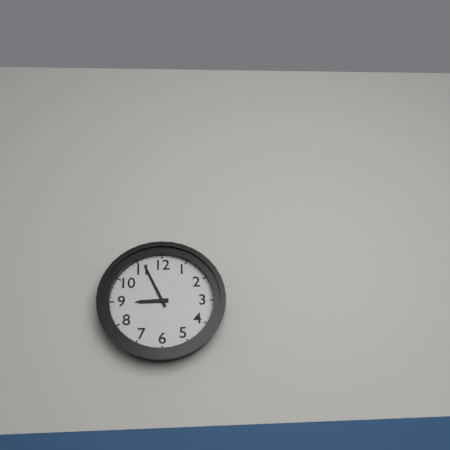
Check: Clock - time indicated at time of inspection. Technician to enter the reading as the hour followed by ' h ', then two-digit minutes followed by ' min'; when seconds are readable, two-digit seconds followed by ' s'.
8 h 56 min
